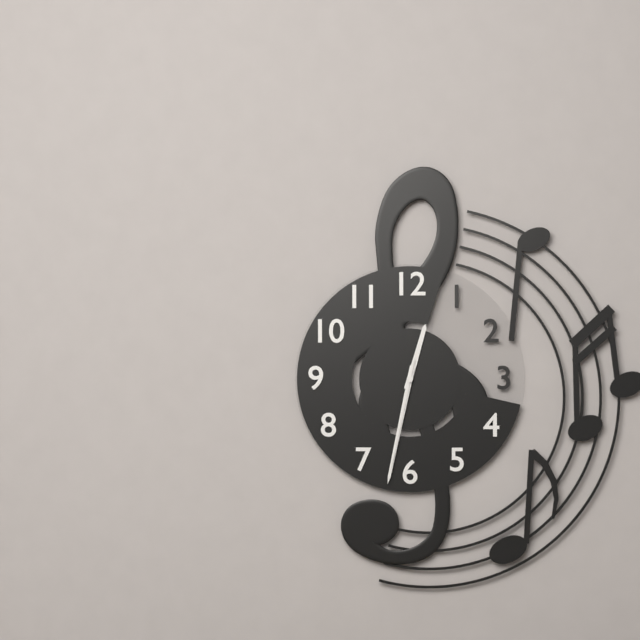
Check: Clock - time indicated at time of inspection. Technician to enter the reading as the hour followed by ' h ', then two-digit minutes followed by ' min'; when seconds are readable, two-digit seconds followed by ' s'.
12 h 32 min 32 s
